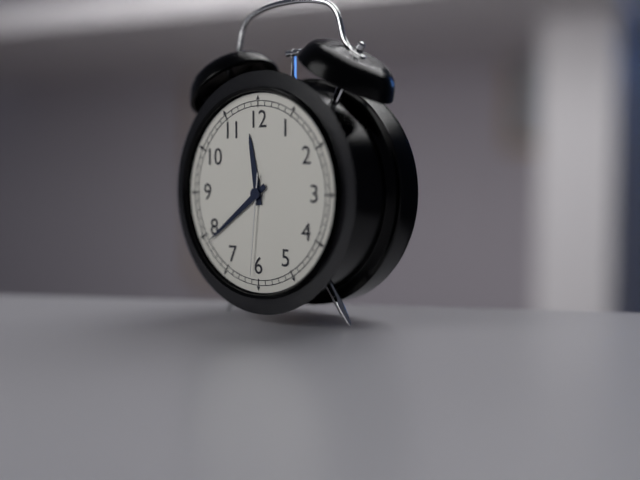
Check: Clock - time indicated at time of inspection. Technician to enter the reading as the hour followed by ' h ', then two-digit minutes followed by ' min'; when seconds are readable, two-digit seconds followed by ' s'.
11 h 39 min 31 s
